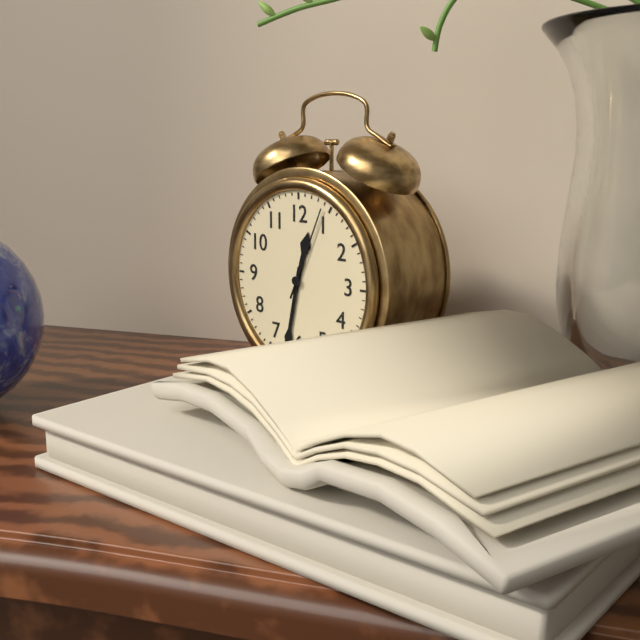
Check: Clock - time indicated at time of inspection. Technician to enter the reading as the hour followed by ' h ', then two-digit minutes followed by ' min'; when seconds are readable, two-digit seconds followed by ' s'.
12 h 32 min 04 s
